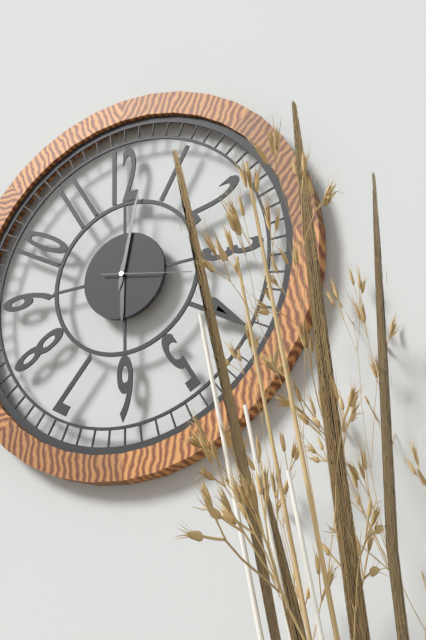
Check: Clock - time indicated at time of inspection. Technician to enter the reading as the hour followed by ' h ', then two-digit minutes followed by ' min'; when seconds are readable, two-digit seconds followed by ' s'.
6 h 02 min 17 s
